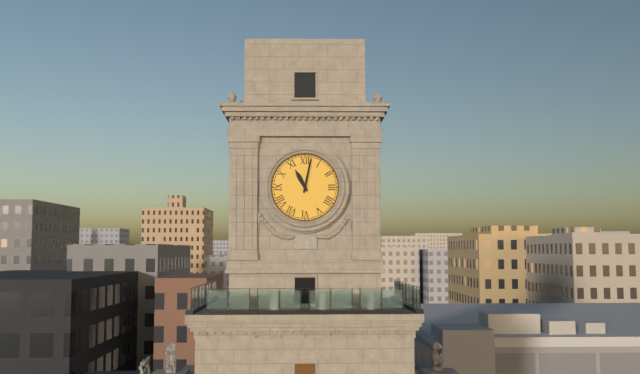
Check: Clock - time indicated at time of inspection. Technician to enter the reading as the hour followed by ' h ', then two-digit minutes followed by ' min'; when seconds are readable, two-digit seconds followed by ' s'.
11 h 02 min
